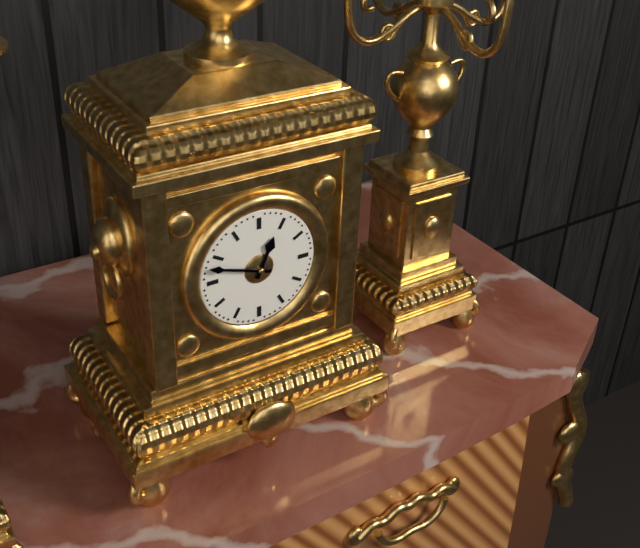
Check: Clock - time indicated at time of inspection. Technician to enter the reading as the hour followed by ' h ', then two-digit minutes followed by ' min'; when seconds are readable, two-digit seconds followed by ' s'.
12 h 48 min
